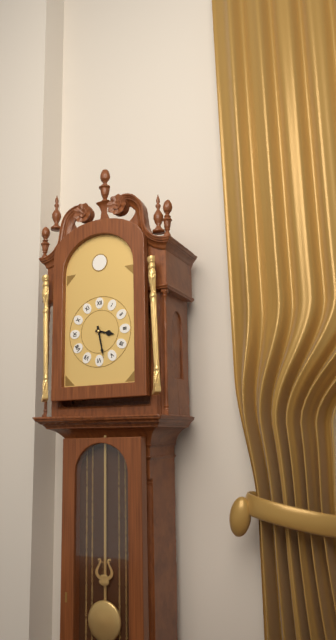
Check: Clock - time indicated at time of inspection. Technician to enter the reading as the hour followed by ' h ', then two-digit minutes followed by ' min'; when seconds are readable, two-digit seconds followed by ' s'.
3 h 28 min
